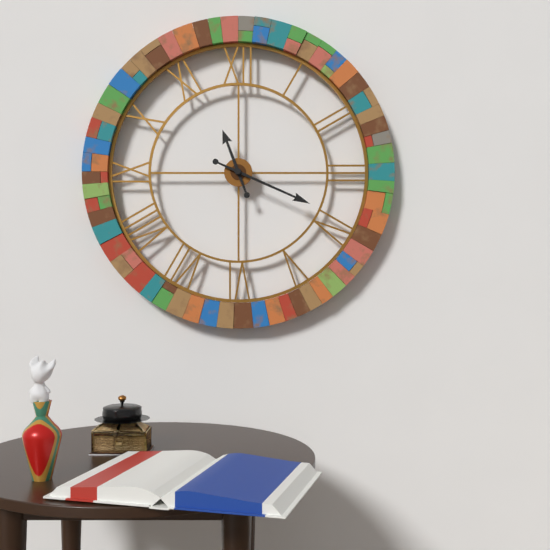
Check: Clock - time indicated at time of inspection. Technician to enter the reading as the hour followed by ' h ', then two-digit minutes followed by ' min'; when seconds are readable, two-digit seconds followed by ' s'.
11 h 19 min
